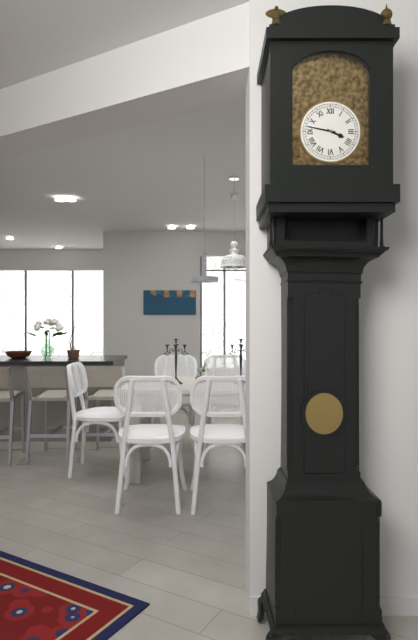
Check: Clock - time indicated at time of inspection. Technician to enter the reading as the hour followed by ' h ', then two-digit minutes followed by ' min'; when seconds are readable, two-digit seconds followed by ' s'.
3 h 47 min
